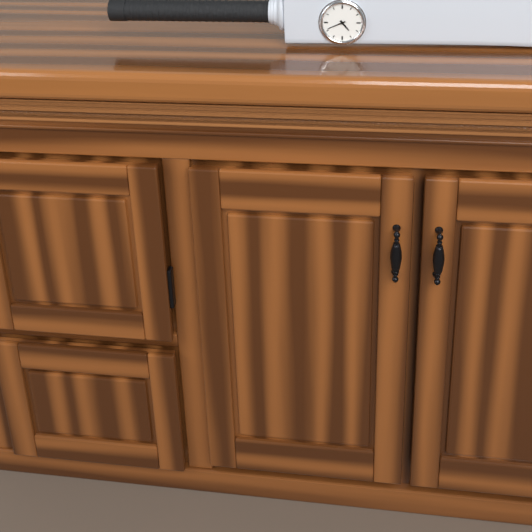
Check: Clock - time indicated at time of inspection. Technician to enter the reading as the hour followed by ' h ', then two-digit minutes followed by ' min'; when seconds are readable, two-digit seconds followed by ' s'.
4 h 41 min
